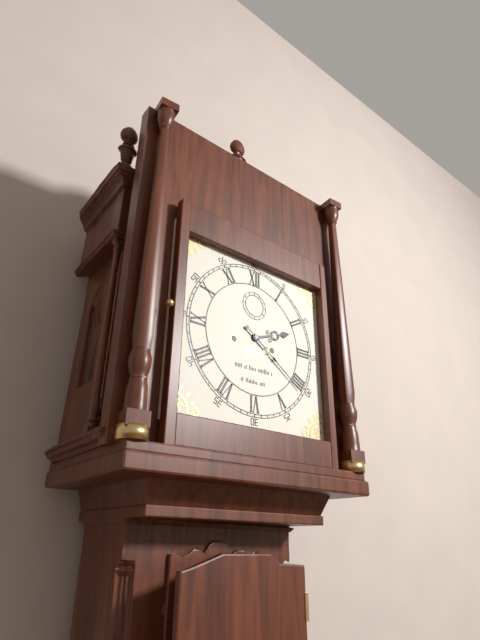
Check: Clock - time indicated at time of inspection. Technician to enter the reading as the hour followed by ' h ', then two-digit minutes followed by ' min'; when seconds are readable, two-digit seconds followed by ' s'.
2 h 21 min
